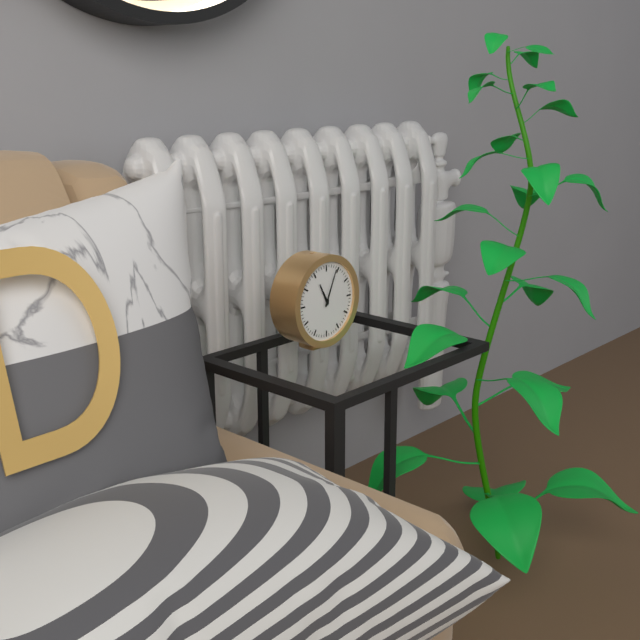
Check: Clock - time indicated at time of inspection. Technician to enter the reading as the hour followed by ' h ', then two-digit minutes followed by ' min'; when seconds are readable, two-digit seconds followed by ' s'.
11 h 04 min
